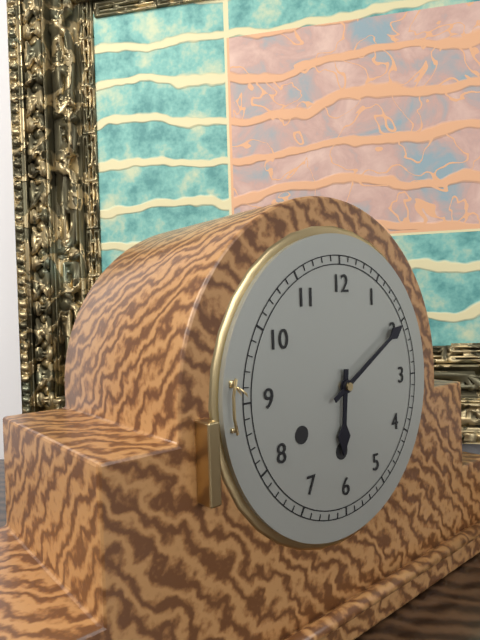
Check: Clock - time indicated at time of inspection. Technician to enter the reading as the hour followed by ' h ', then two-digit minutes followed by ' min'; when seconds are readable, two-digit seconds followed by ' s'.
6 h 10 min
